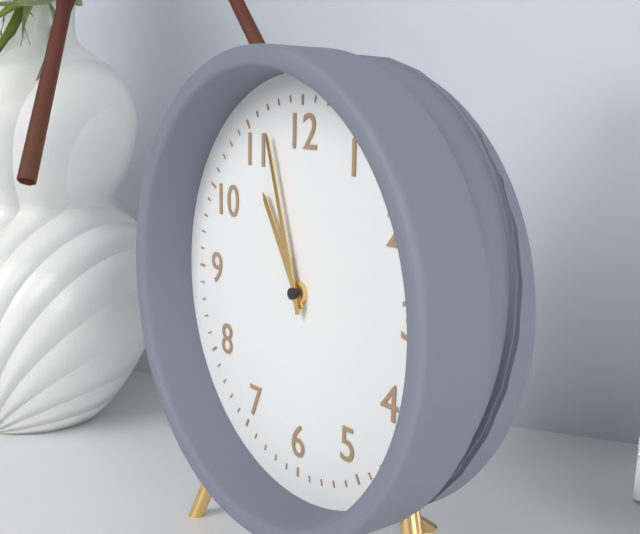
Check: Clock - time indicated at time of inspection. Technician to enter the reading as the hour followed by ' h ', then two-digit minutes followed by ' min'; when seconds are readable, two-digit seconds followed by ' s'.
10 h 57 min
